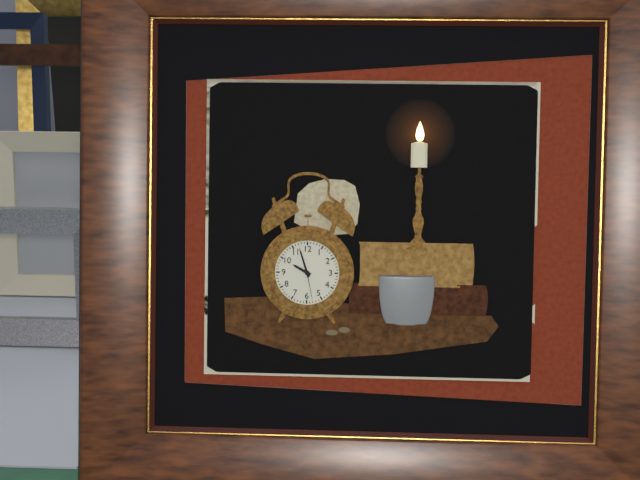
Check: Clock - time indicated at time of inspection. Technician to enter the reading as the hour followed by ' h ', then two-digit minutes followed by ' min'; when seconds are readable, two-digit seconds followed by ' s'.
9 h 57 min
